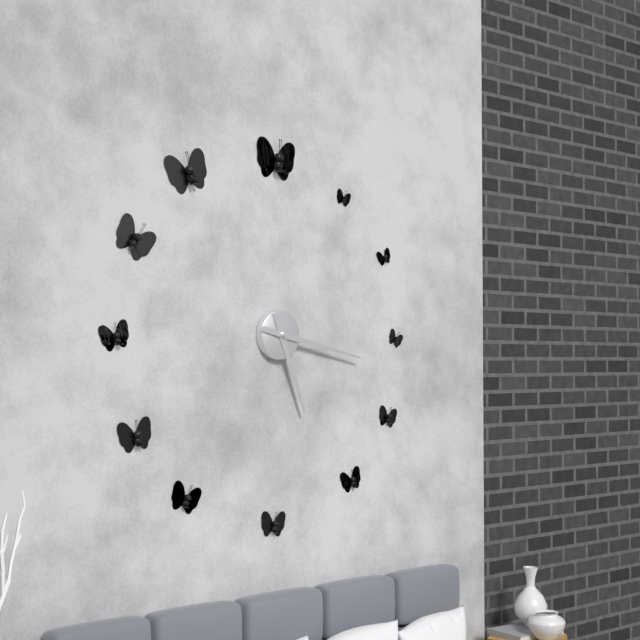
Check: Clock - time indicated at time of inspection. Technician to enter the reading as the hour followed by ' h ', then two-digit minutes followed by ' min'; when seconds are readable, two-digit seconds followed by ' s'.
5 h 17 min
